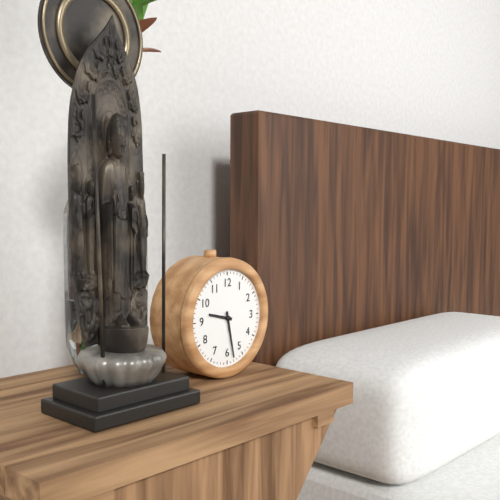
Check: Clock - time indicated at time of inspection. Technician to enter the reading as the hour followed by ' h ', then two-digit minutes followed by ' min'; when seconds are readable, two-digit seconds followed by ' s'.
9 h 28 min
